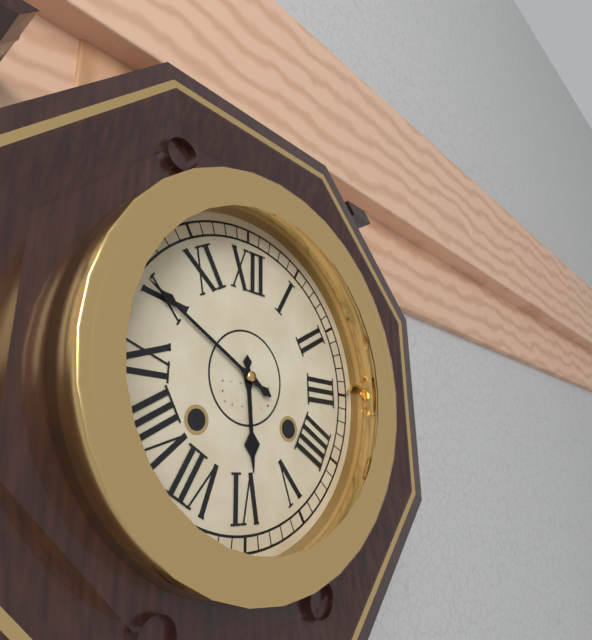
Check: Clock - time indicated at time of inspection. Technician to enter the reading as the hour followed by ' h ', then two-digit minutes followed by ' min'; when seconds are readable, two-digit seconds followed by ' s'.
5 h 50 min
